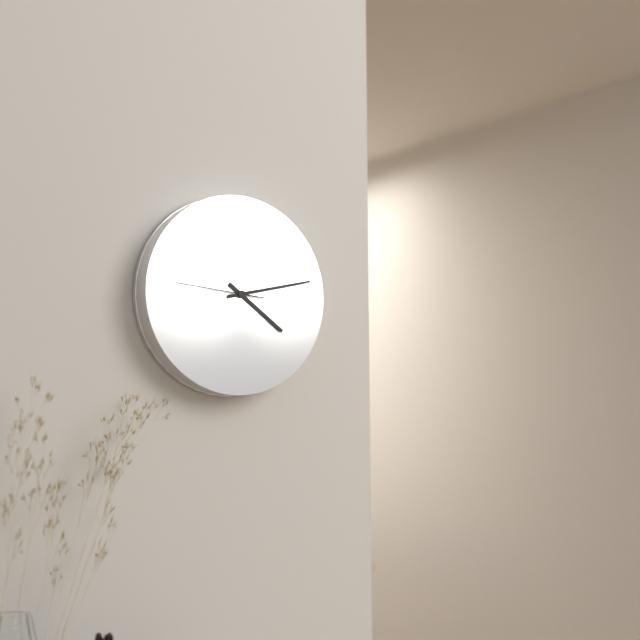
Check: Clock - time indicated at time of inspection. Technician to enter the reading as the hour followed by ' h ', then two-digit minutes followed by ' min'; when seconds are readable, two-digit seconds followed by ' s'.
4 h 13 min 46 s
